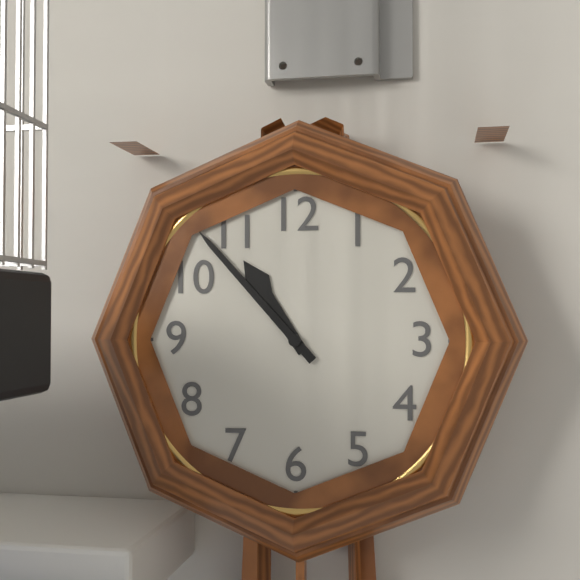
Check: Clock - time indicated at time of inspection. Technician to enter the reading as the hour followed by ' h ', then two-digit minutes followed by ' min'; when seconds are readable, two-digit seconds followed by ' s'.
10 h 53 min
